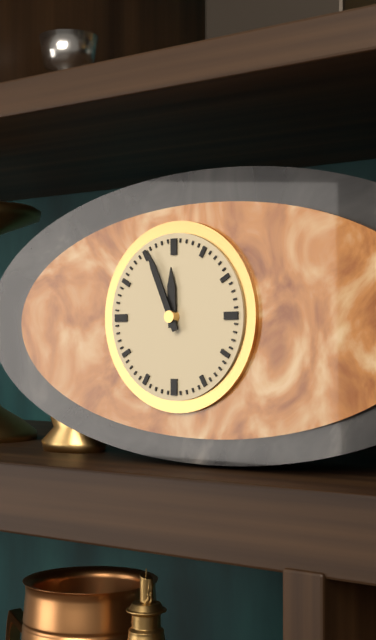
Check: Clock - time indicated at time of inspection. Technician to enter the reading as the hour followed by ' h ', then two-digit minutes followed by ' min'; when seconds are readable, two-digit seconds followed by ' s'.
11 h 56 min
